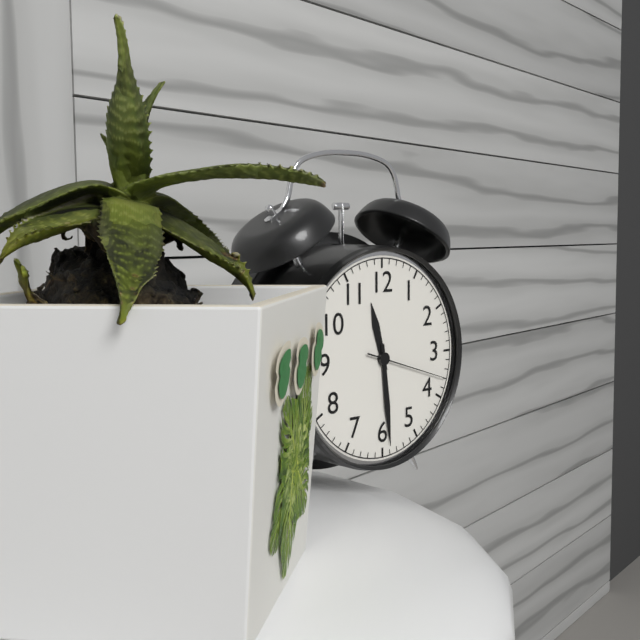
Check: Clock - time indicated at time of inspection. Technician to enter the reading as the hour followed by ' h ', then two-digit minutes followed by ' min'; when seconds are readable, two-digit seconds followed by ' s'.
11 h 29 min 18 s
